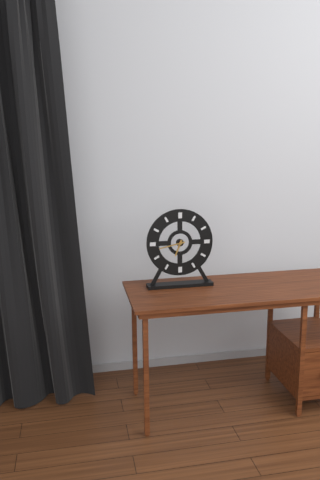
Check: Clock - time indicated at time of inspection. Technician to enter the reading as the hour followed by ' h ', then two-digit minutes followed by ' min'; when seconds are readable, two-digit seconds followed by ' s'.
6 h 43 min
